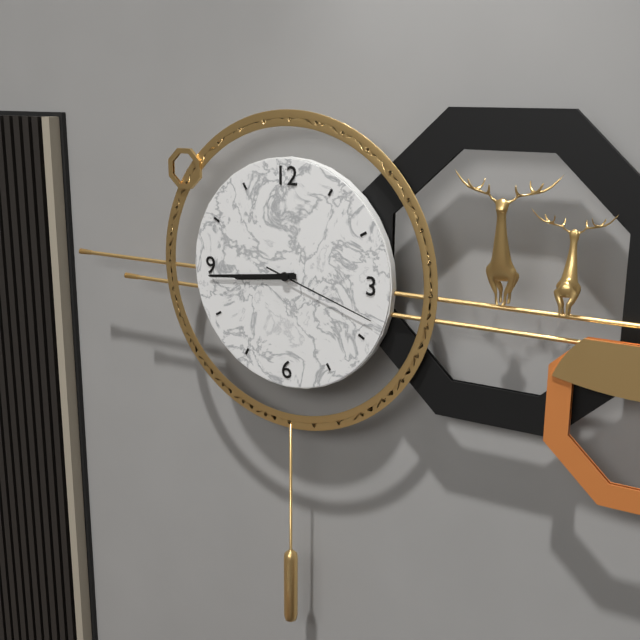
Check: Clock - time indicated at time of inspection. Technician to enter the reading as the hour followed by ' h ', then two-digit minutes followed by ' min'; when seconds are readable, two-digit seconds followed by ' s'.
8 h 44 min 18 s
